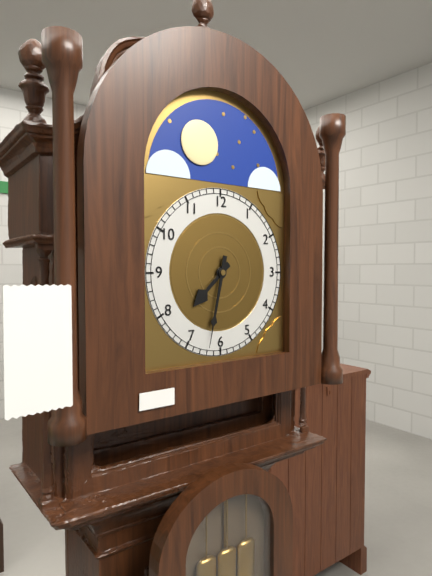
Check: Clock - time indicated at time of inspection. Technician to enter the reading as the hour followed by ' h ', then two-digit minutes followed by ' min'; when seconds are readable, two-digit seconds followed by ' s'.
7 h 32 min
